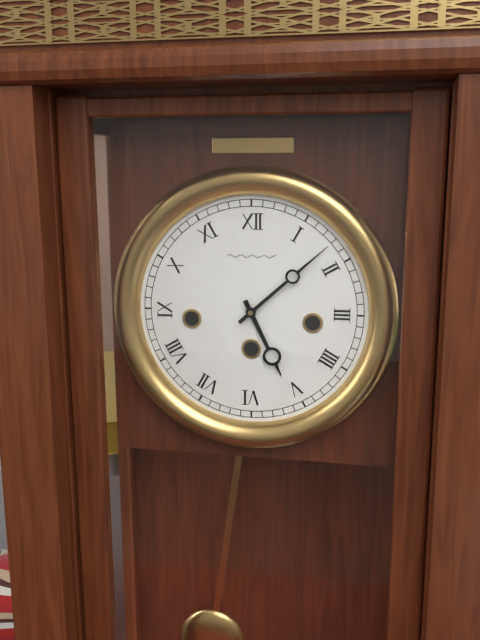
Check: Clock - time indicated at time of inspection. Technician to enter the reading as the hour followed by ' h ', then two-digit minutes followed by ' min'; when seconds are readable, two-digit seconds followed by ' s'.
5 h 08 min
